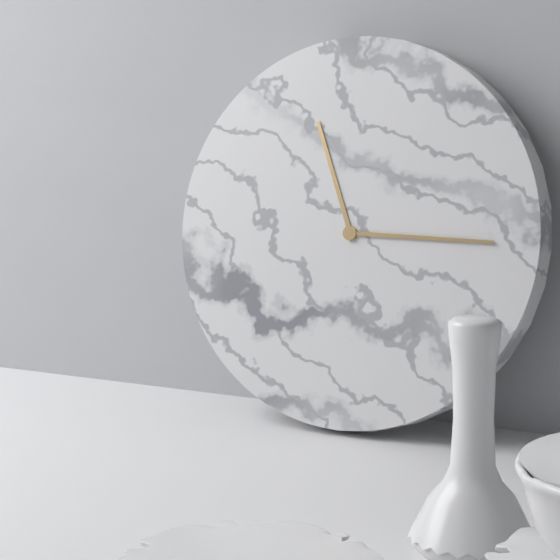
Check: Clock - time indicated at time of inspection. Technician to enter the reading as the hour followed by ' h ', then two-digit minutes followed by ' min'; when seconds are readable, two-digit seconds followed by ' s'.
11 h 15 min
